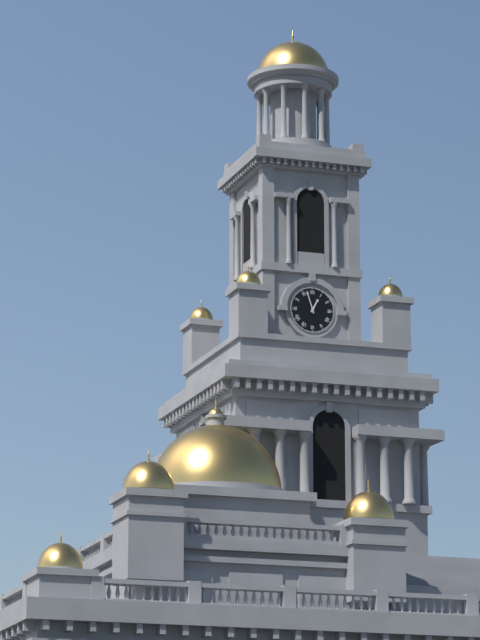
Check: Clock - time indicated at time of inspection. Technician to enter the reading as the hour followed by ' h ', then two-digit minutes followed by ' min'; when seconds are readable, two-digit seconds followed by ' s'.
12 h 57 min
